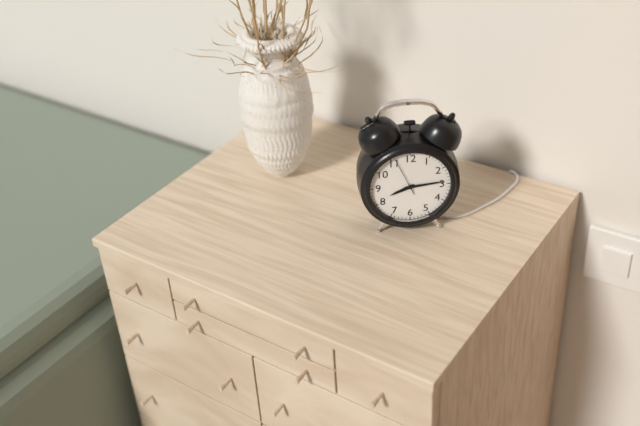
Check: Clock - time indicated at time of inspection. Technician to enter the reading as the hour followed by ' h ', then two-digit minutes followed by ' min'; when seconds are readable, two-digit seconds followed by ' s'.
8 h 14 min
